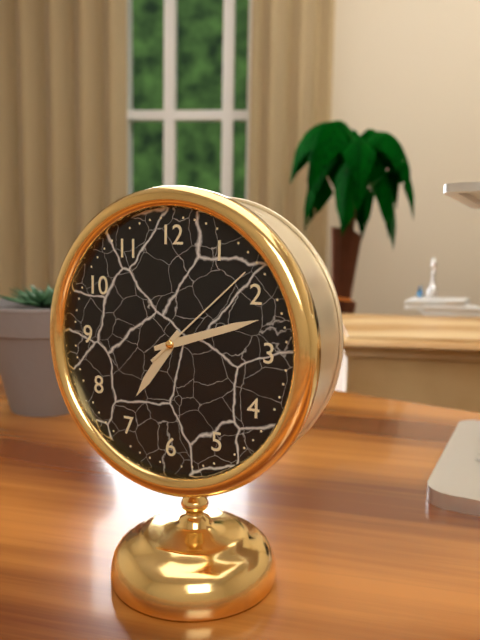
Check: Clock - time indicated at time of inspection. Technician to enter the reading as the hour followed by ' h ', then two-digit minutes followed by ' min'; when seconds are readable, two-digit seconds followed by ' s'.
7 h 12 min 08 s
